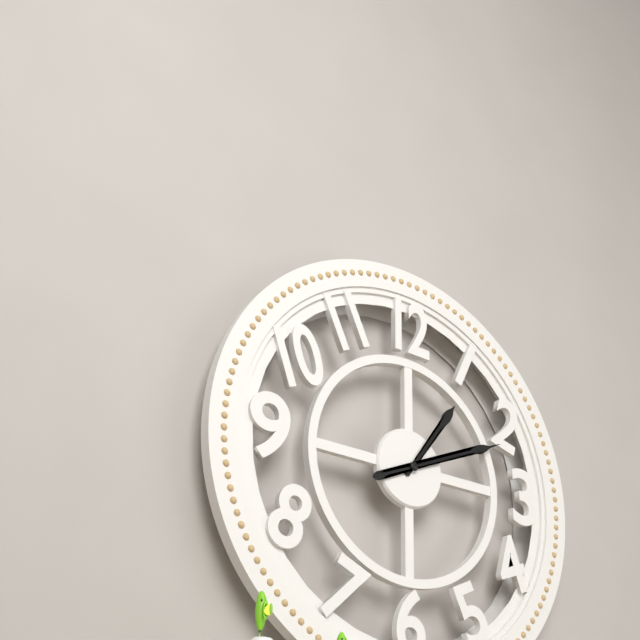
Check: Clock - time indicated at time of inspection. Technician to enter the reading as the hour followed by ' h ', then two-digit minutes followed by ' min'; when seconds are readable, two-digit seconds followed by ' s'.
1 h 11 min
